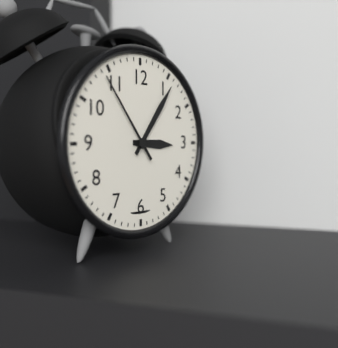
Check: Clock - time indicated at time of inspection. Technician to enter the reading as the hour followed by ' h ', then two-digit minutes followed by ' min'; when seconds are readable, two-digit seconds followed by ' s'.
3 h 06 min 54 s
